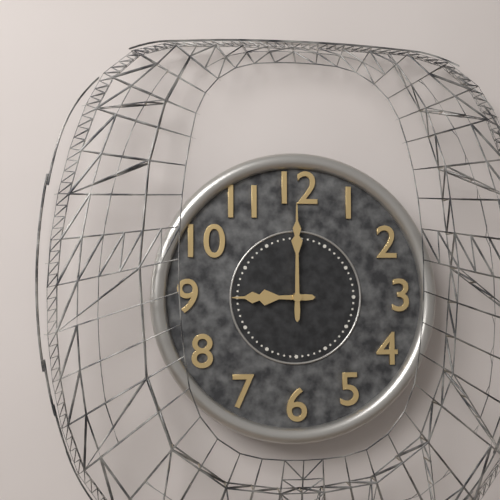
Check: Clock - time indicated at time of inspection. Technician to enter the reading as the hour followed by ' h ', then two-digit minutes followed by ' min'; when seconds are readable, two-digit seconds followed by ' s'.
9 h 00 min
